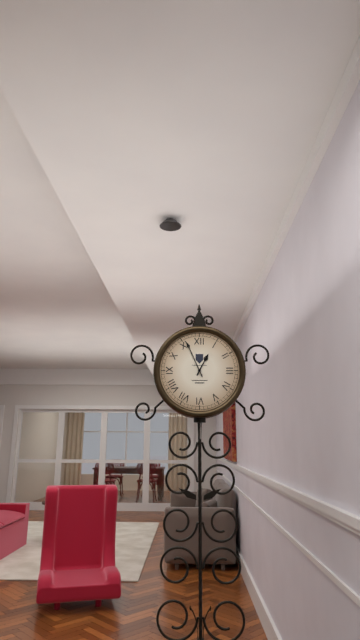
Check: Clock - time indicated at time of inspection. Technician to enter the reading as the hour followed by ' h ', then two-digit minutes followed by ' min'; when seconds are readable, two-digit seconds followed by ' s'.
12 h 56 min
